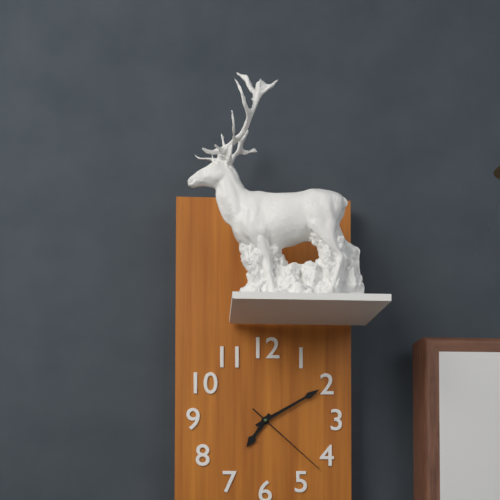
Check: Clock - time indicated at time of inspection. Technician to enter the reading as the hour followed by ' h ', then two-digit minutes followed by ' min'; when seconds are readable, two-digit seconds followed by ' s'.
7 h 10 min 22 s
